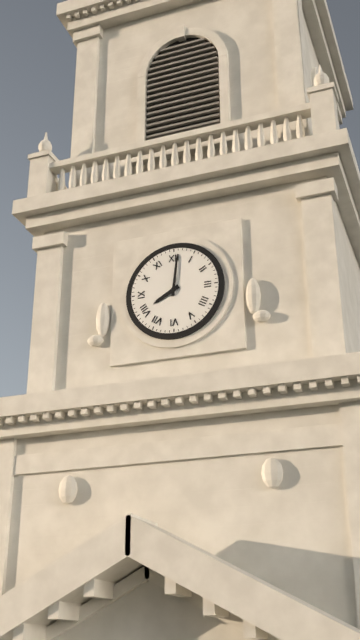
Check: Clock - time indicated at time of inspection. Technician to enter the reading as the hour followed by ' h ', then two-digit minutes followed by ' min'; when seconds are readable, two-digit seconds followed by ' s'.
8 h 01 min
